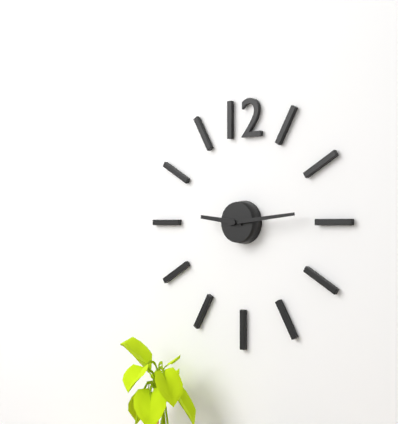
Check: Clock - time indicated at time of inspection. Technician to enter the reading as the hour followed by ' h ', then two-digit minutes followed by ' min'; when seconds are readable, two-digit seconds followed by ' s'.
9 h 14 min
